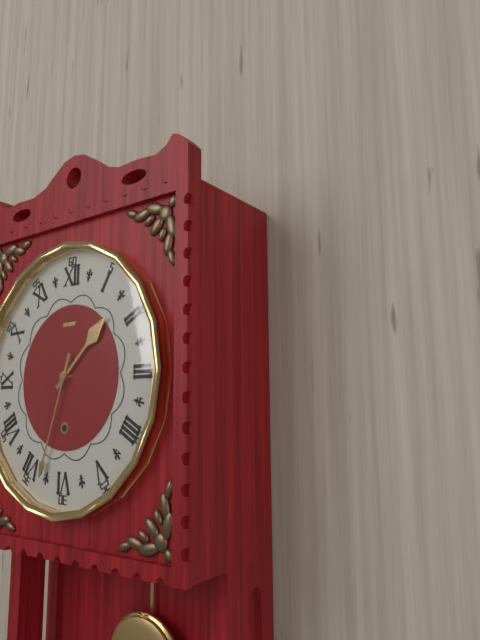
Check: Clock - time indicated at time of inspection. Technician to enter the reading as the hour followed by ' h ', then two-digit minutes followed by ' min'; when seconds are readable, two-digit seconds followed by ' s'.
1 h 33 min
